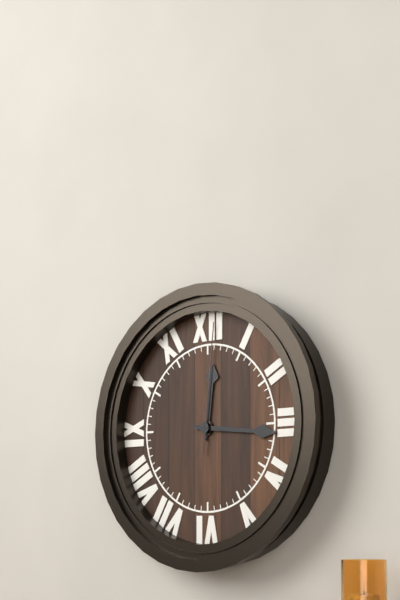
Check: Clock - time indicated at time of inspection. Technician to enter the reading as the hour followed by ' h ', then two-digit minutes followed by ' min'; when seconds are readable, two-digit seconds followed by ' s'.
12 h 16 min 01 s
